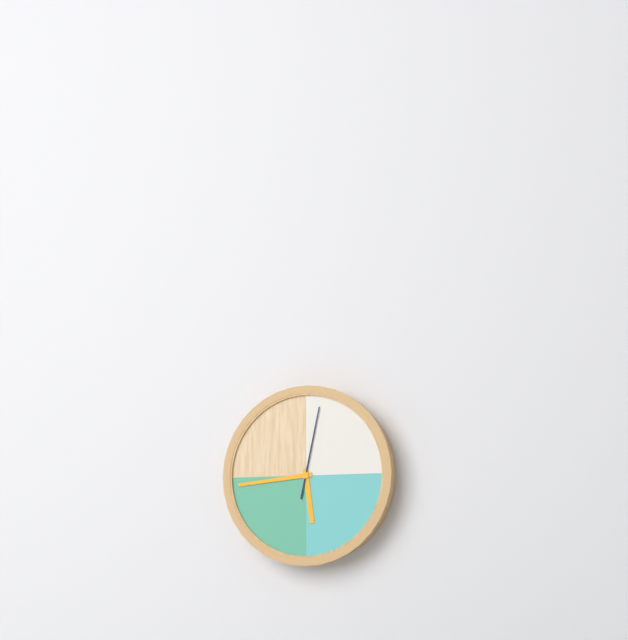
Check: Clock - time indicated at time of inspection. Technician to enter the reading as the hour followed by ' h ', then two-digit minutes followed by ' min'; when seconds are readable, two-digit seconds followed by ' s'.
5 h 44 min 02 s
